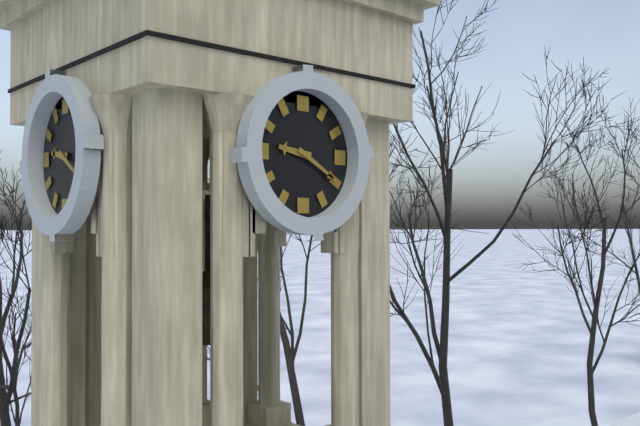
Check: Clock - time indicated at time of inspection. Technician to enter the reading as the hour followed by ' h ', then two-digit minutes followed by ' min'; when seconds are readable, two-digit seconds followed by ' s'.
9 h 20 min
